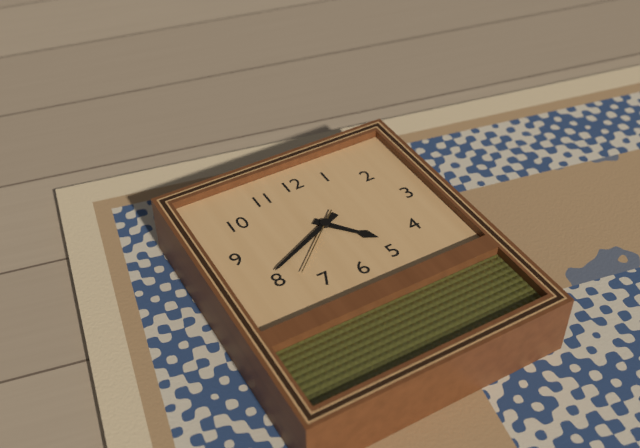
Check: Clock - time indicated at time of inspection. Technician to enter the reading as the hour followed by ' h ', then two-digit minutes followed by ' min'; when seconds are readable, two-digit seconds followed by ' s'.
4 h 41 min 38 s
